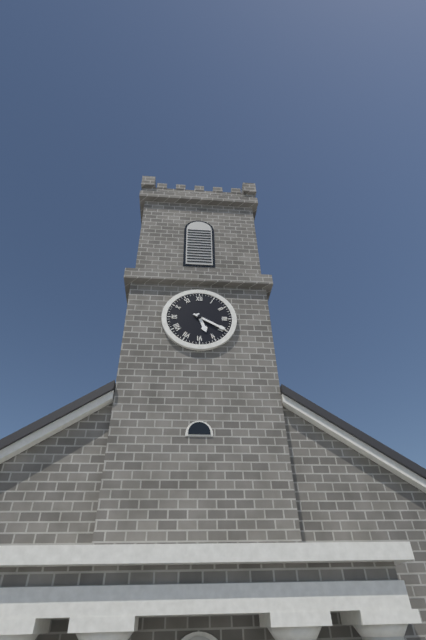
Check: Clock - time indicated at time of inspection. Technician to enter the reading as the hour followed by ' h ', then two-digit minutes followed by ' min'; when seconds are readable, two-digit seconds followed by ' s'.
5 h 20 min
